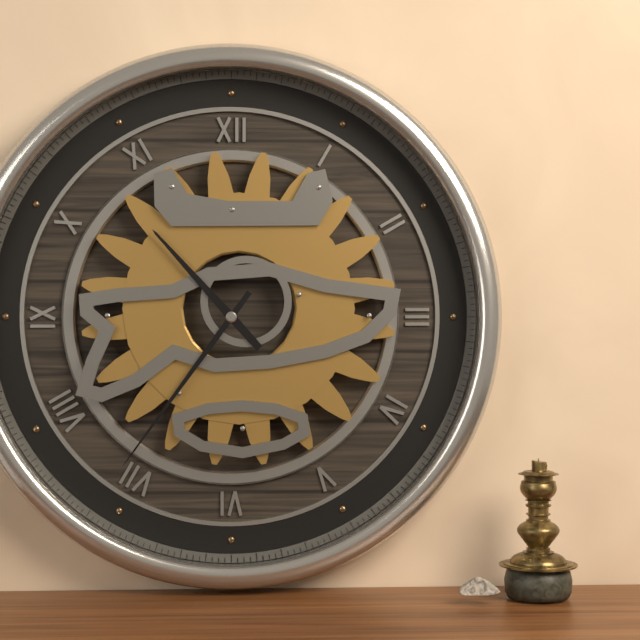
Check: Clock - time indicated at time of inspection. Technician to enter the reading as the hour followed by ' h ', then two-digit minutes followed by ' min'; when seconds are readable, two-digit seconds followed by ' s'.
10 h 36 min
